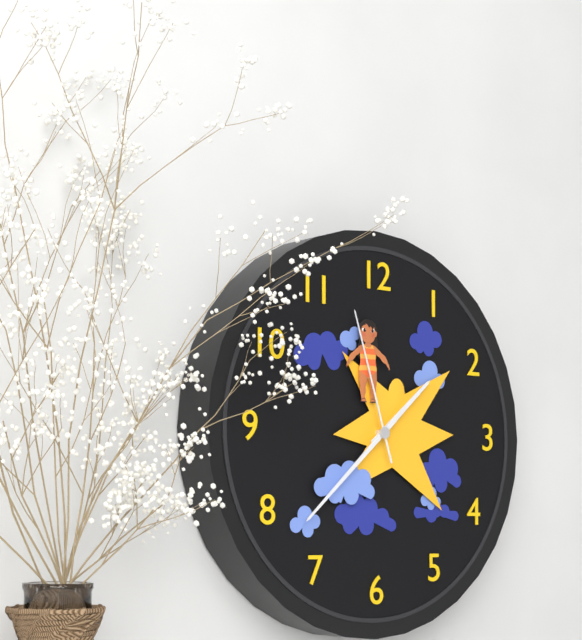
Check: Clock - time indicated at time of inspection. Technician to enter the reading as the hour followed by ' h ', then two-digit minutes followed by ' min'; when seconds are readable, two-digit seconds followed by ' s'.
1 h 38 min 57 s
